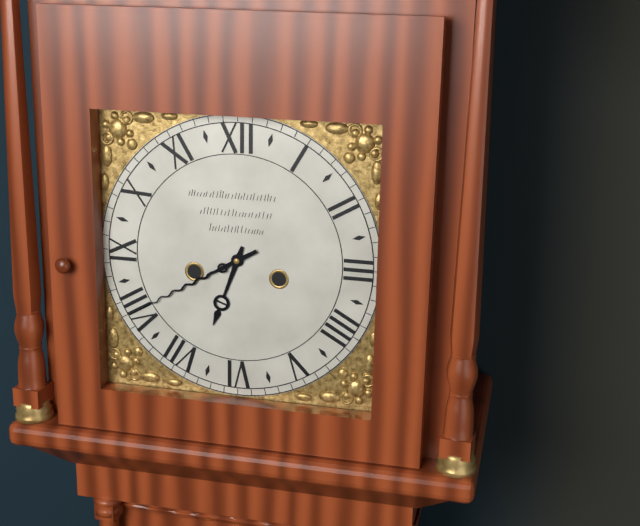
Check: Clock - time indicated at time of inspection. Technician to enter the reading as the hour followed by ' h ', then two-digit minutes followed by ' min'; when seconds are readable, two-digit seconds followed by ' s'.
6 h 40 min
